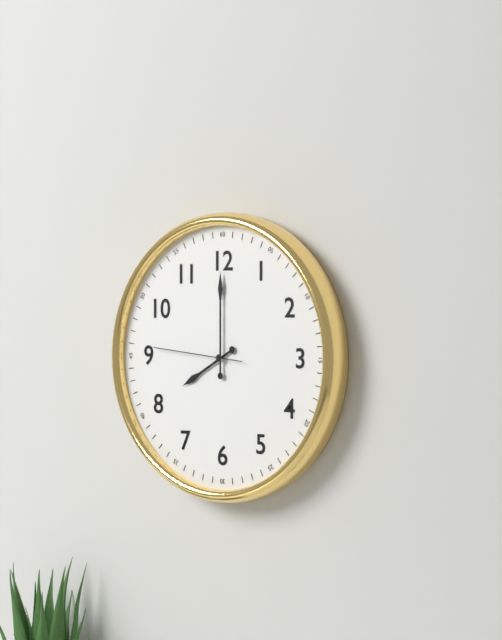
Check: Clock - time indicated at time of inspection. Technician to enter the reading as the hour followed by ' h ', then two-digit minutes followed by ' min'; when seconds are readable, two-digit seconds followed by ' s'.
8 h 00 min 46 s
